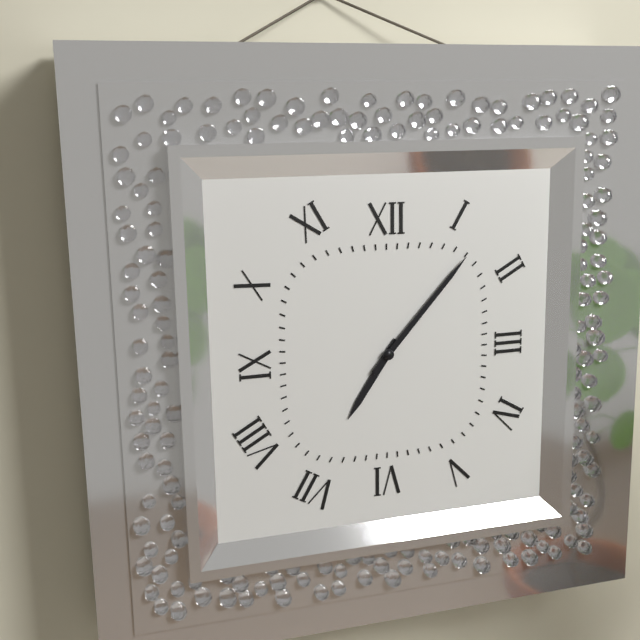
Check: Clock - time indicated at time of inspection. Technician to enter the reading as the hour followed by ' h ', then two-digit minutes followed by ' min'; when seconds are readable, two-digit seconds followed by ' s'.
7 h 07 min
